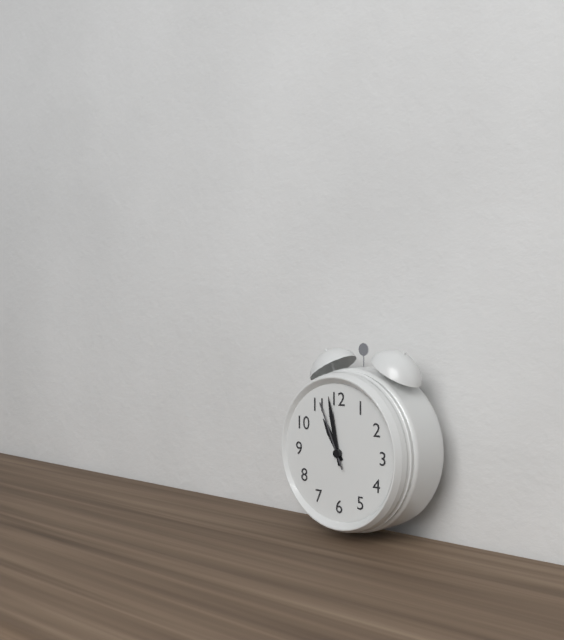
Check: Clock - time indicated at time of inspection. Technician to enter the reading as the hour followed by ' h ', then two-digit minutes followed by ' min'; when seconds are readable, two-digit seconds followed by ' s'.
10 h 58 min 56 s
